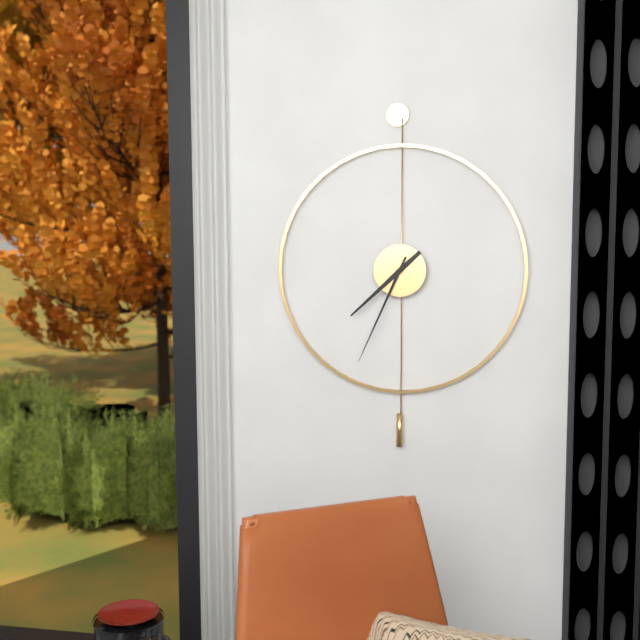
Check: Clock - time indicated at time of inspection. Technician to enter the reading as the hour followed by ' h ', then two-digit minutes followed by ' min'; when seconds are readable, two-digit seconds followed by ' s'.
7 h 34 min
